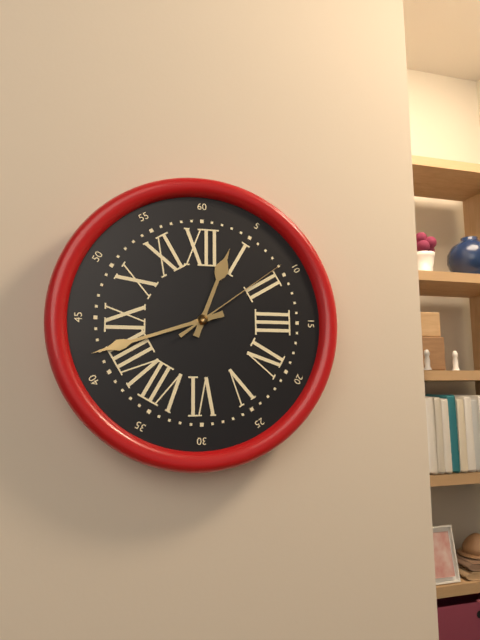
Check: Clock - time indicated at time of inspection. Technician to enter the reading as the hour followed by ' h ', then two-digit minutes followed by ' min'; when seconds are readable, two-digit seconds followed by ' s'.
12 h 42 min 09 s
